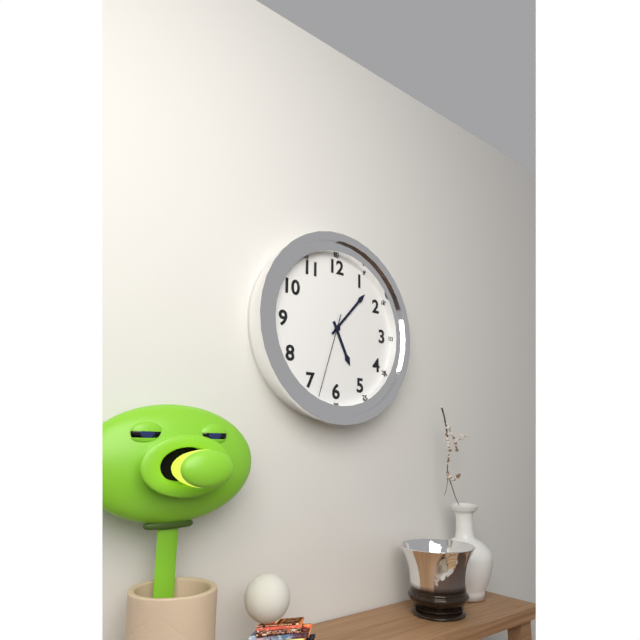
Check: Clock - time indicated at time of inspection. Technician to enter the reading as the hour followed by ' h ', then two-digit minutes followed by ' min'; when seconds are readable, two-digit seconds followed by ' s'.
5 h 07 min 33 s
